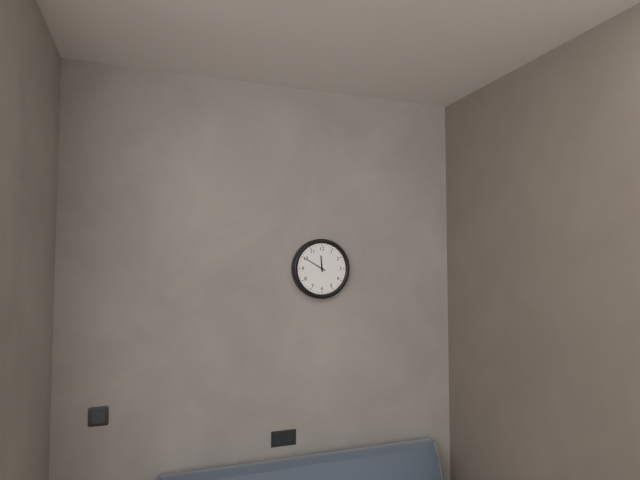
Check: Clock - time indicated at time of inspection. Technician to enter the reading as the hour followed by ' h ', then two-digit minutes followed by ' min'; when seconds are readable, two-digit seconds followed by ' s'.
11 h 50 min
